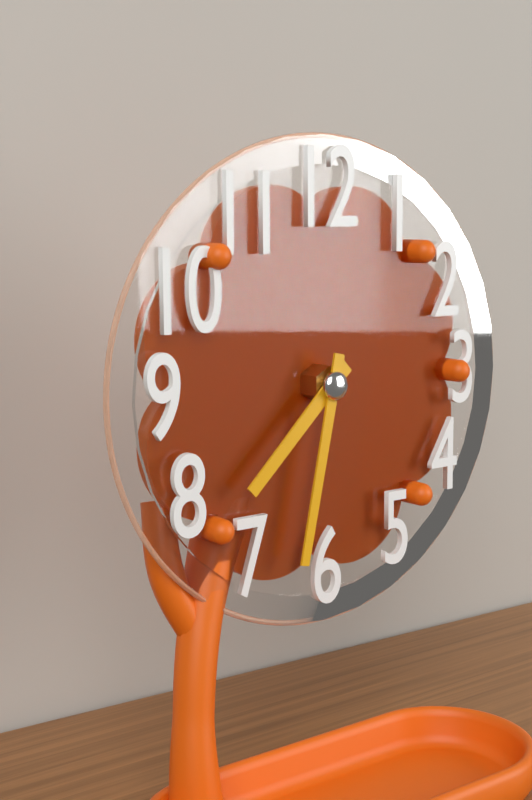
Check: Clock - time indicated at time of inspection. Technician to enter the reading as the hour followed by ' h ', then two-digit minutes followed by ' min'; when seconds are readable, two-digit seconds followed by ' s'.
7 h 32 min
